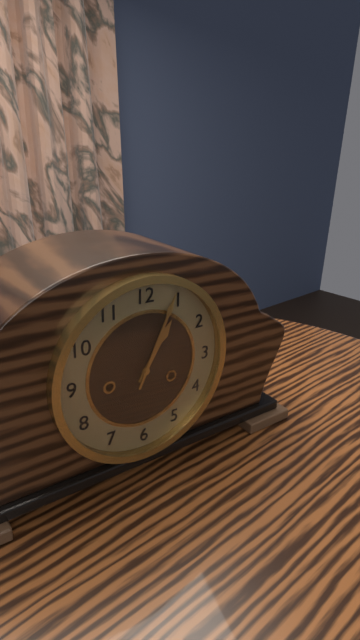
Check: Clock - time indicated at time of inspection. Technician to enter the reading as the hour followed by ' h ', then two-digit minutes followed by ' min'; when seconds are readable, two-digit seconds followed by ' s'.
1 h 04 min
